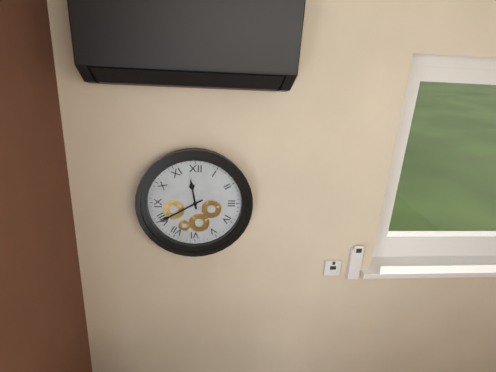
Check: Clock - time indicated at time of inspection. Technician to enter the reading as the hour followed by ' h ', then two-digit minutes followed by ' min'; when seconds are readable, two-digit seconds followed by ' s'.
11 h 40 min
